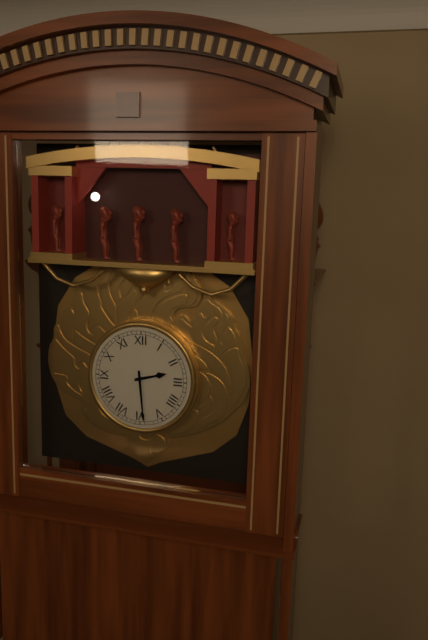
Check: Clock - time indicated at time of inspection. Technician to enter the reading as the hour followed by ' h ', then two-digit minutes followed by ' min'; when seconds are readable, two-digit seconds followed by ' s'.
2 h 29 min
